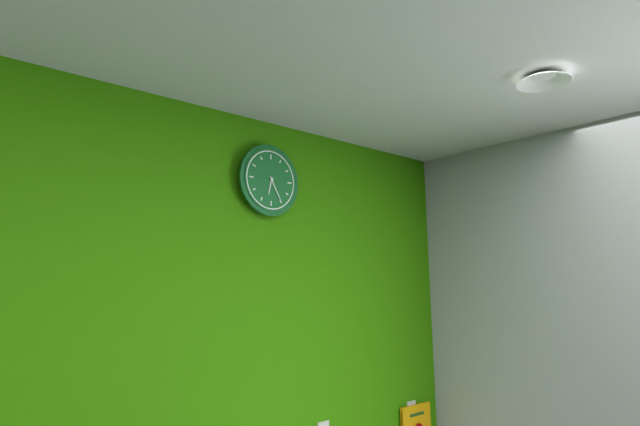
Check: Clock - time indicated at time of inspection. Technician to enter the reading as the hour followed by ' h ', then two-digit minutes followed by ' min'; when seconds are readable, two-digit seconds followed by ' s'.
6 h 25 min
